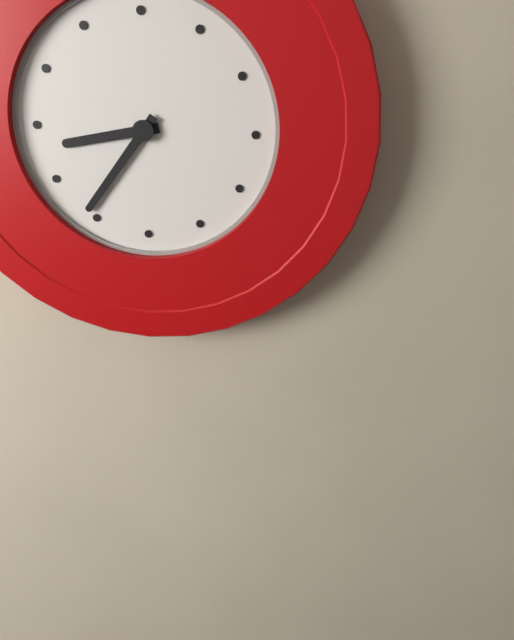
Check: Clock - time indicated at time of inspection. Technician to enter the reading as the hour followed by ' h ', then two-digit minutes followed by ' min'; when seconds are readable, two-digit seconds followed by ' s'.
8 h 36 min
